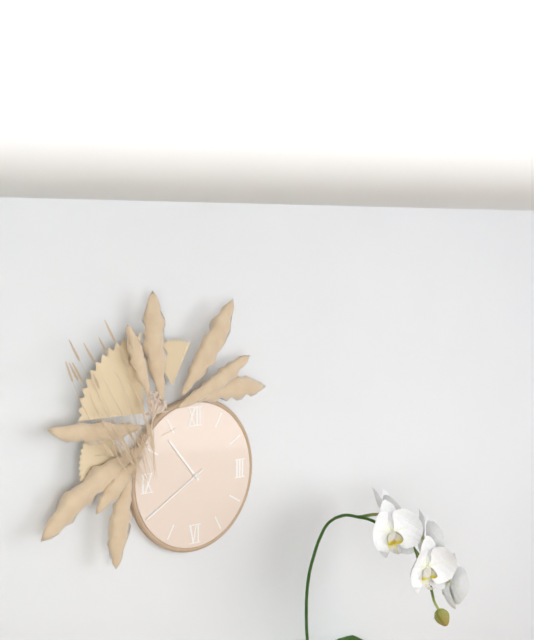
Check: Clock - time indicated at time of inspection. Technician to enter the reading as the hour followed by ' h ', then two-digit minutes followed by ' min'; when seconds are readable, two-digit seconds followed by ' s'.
10 h 40 min
